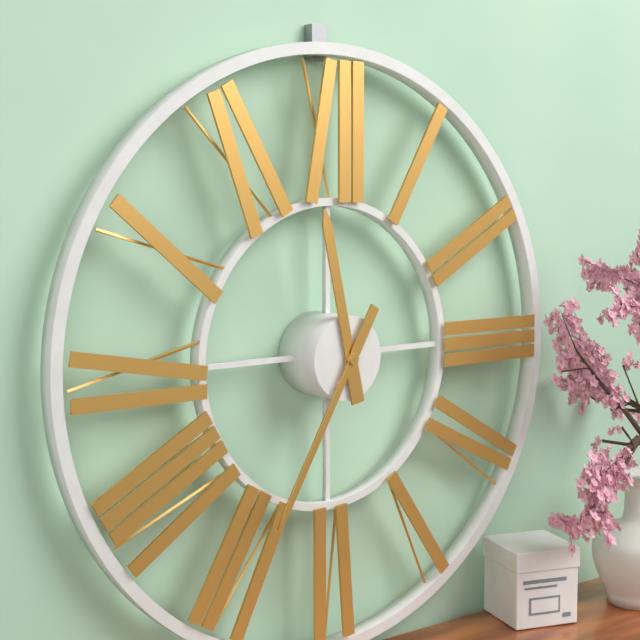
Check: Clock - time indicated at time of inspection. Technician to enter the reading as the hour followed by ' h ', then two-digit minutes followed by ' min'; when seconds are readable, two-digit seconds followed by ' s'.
11 h 35 min
